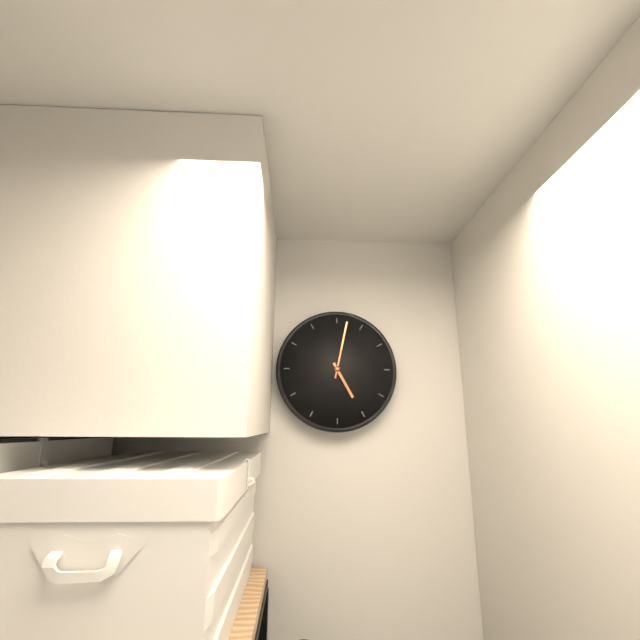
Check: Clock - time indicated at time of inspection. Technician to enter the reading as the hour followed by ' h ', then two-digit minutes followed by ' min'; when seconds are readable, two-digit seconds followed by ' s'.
5 h 02 min
